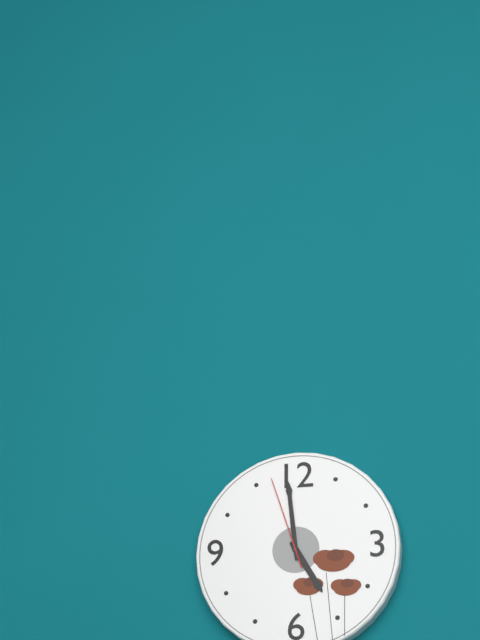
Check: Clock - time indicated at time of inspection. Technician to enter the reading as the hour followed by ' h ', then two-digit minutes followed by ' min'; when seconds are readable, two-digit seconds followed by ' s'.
4 h 59 min 57 s
